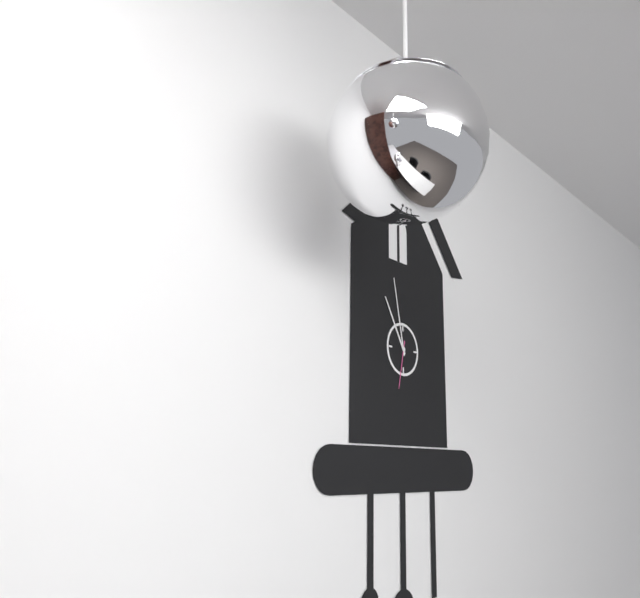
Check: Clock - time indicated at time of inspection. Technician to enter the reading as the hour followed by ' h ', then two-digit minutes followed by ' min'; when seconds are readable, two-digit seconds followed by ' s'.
10 h 58 min
